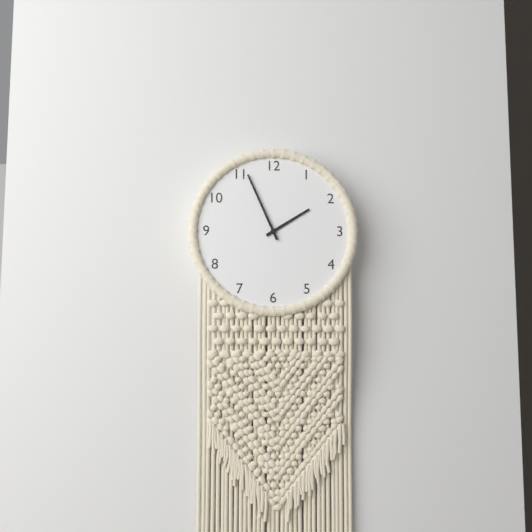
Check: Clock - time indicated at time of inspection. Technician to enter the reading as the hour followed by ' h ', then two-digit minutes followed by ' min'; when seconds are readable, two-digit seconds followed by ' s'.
1 h 56 min
